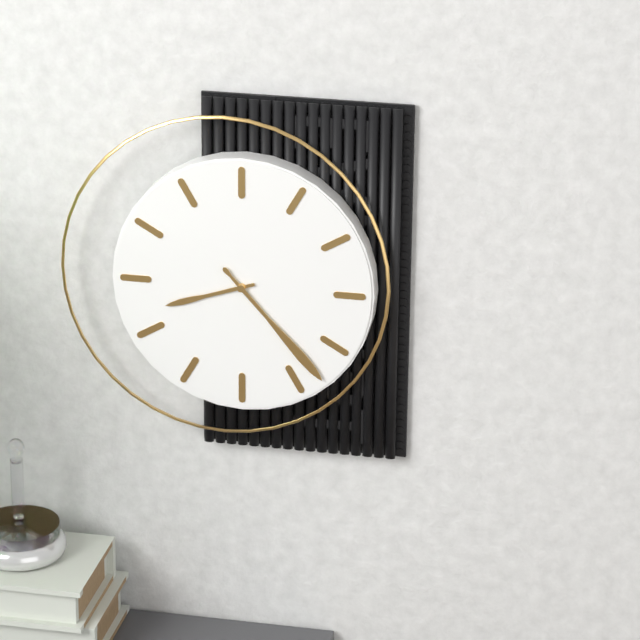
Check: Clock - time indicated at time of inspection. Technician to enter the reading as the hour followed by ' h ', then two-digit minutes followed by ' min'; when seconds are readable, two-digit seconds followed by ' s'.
8 h 23 min
